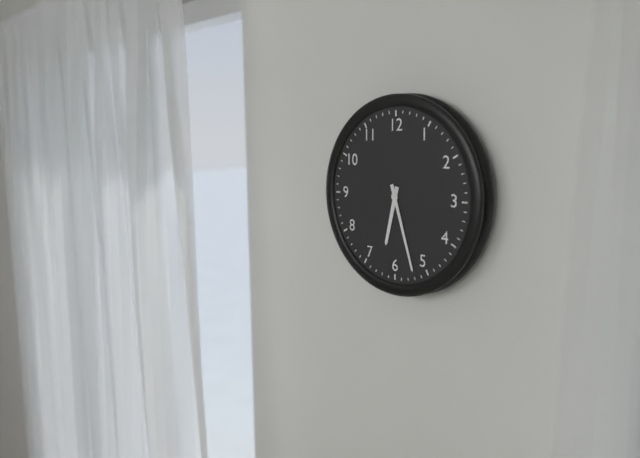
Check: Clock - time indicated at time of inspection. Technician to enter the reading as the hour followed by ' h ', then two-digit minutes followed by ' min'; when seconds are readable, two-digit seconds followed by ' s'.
6 h 27 min
